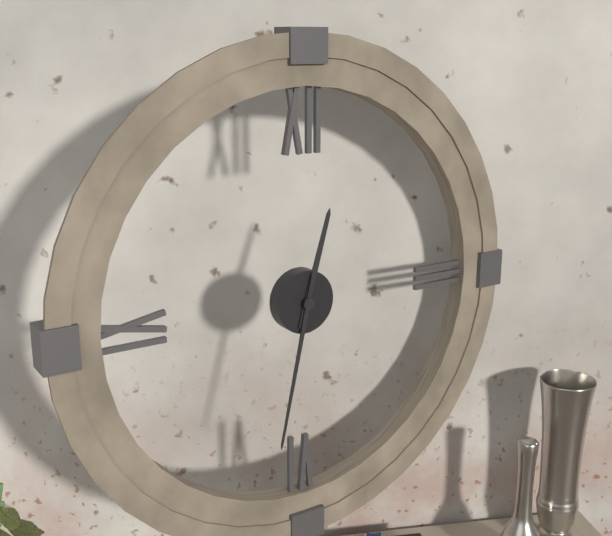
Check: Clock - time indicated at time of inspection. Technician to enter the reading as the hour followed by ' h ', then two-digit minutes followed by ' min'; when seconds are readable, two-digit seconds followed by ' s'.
12 h 32 min
